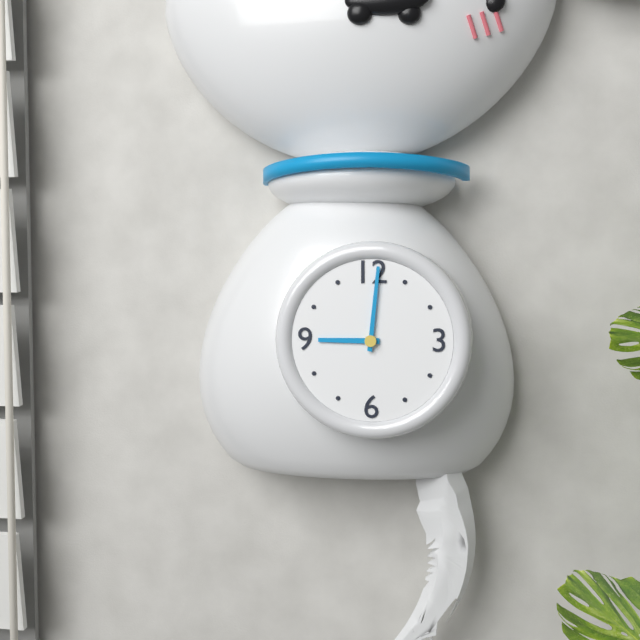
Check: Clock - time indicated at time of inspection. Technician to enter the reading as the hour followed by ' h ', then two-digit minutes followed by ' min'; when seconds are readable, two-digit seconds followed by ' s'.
9 h 01 min
